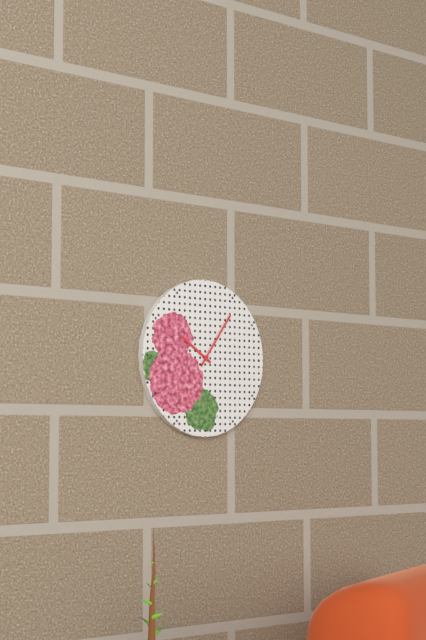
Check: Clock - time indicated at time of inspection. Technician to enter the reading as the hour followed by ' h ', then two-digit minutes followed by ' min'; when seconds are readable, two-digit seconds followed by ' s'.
10 h 06 min
